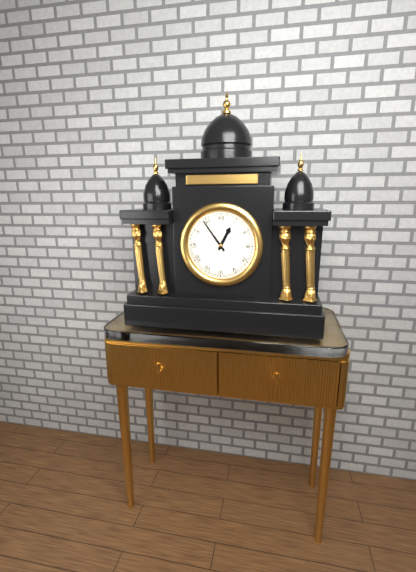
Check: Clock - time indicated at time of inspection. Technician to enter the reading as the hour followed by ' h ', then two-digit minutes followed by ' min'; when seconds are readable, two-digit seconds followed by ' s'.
12 h 54 min
